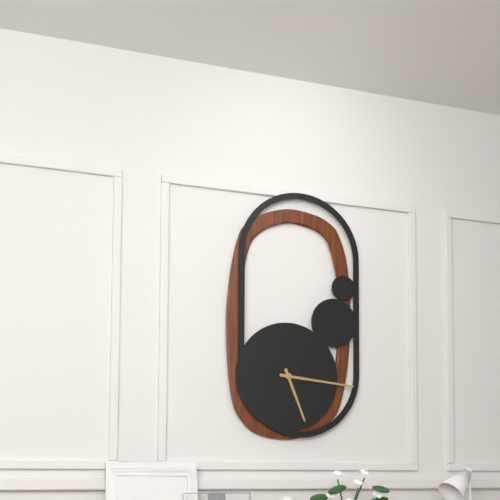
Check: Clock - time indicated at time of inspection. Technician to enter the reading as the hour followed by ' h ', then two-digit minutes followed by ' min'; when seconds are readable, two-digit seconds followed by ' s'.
5 h 16 min
